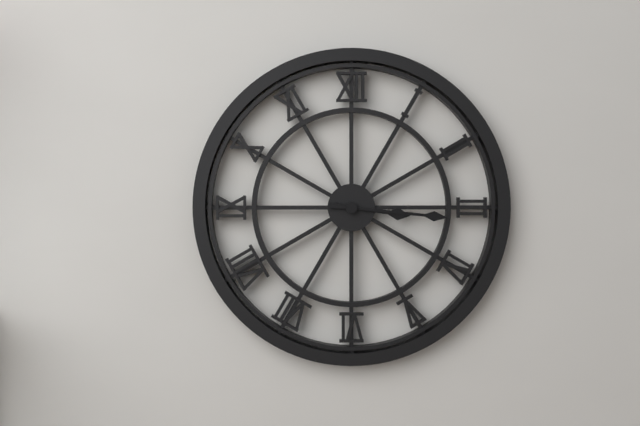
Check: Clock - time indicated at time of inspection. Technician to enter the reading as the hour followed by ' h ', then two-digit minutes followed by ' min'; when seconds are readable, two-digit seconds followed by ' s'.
3 h 16 min
